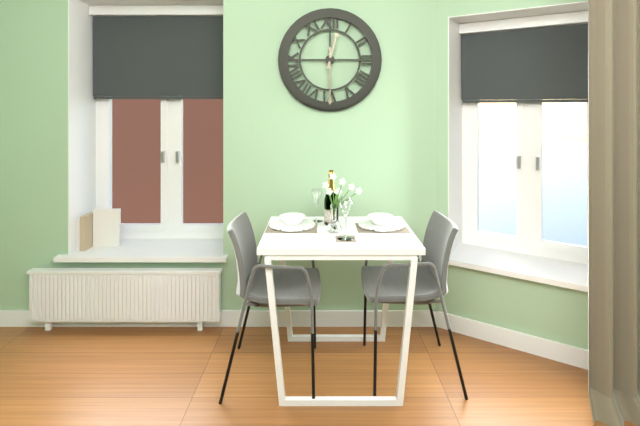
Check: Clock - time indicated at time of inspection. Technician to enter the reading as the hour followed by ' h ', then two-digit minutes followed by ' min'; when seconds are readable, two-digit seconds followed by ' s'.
12 h 30 min
